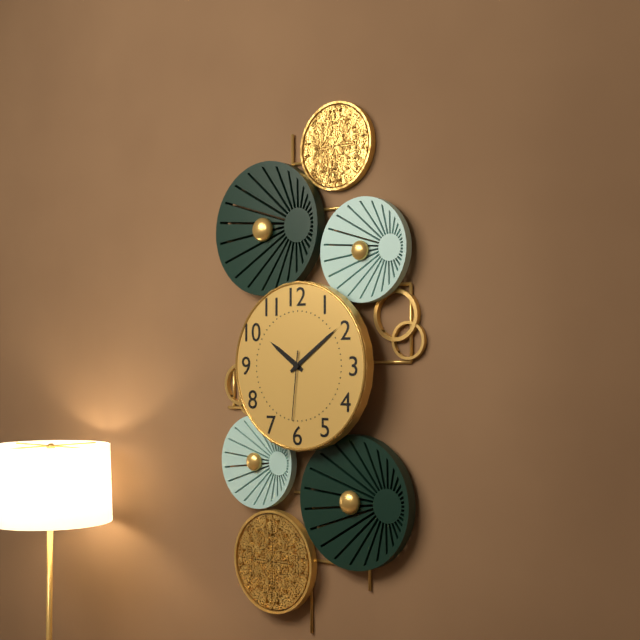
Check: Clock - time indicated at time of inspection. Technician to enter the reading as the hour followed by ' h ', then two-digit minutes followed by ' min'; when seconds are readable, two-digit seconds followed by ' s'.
10 h 09 min 31 s
